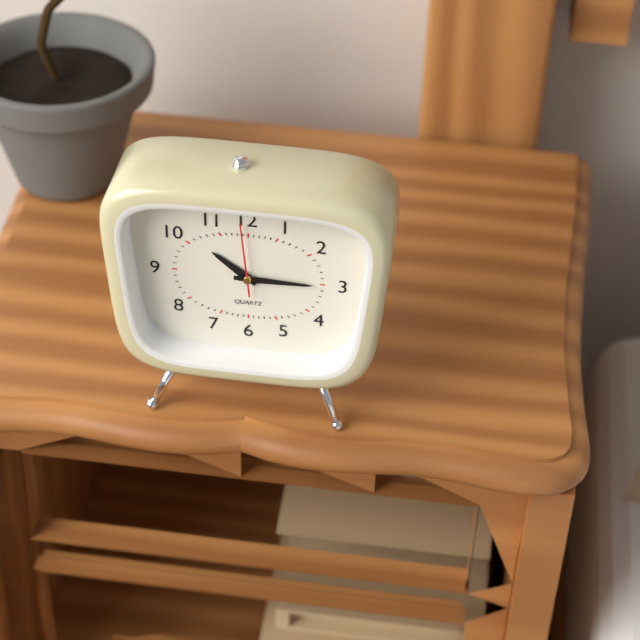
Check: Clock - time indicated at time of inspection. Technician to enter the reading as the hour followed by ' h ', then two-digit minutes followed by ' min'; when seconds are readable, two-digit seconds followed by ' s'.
10 h 15 min 59 s
